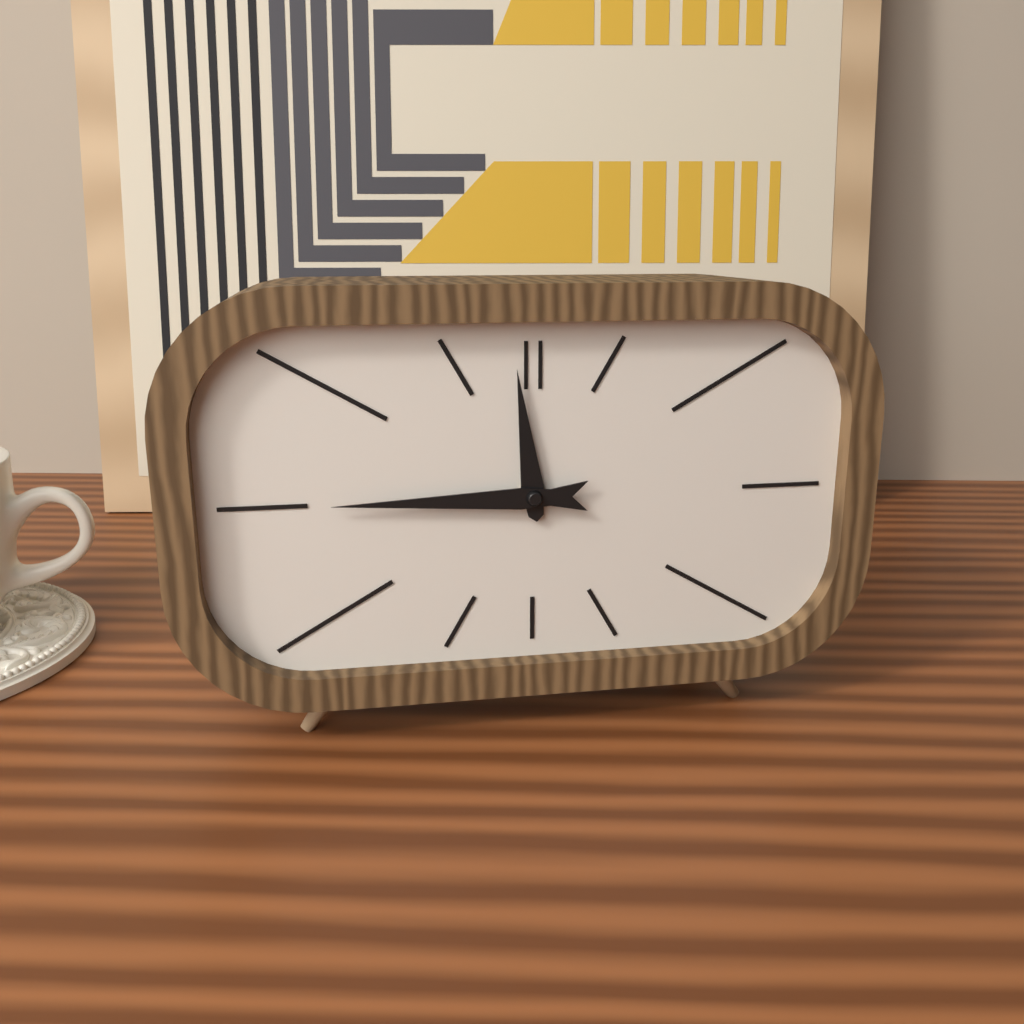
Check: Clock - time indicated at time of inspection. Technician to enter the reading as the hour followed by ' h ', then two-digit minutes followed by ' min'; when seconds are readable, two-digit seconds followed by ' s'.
11 h 45 min
